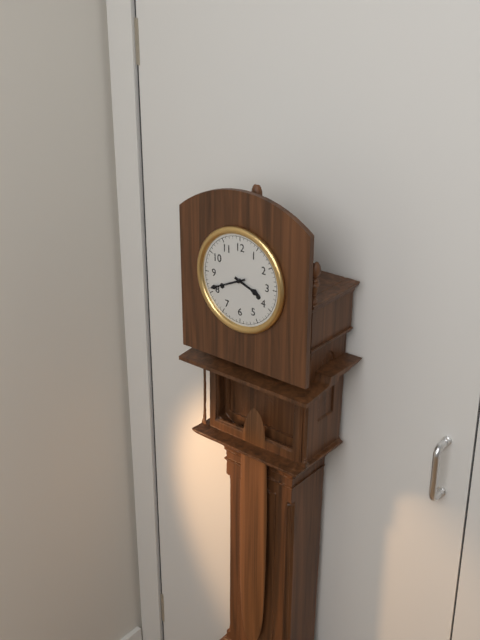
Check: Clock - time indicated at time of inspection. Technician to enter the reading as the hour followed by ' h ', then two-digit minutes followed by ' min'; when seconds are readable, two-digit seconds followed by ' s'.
3 h 41 min
